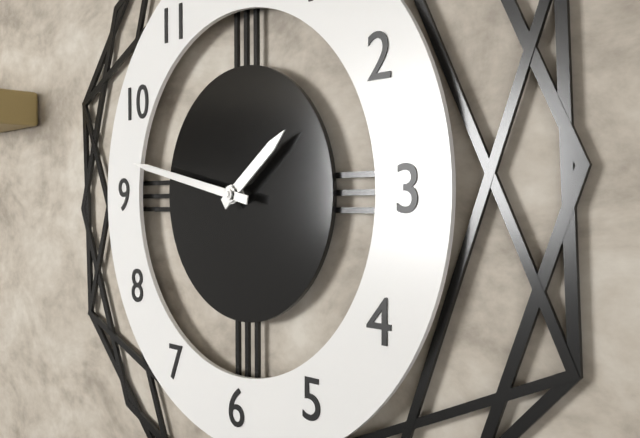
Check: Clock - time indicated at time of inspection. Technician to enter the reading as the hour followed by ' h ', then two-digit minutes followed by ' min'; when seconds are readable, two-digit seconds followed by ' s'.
1 h 47 min
